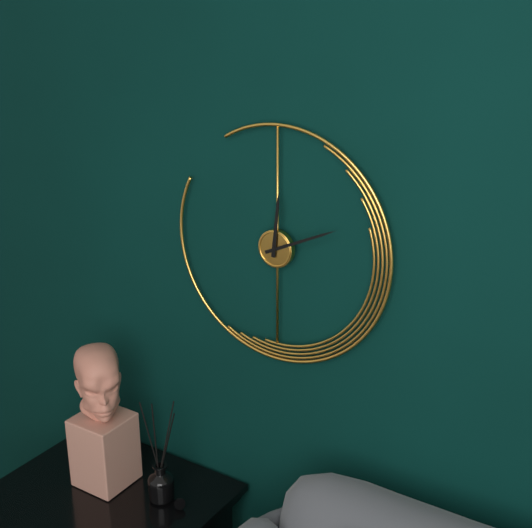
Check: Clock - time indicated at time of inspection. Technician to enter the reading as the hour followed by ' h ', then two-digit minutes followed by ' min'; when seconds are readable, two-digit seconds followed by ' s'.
12 h 11 min
